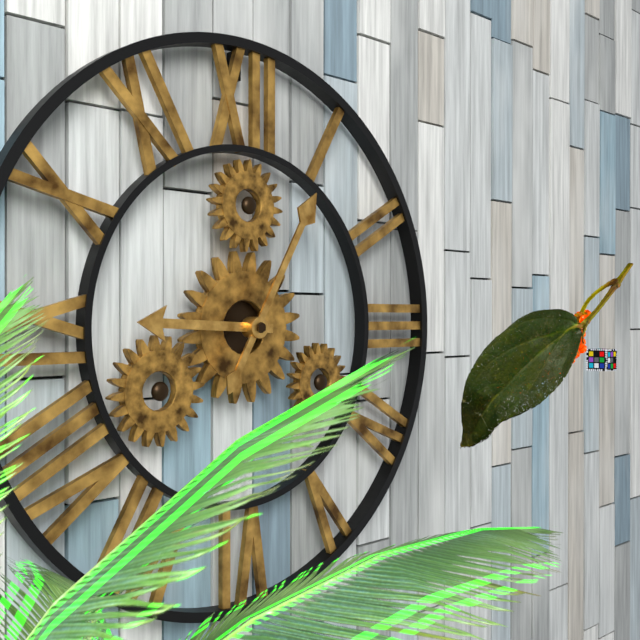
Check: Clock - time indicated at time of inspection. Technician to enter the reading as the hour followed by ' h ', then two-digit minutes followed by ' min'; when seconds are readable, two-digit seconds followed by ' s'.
9 h 05 min
